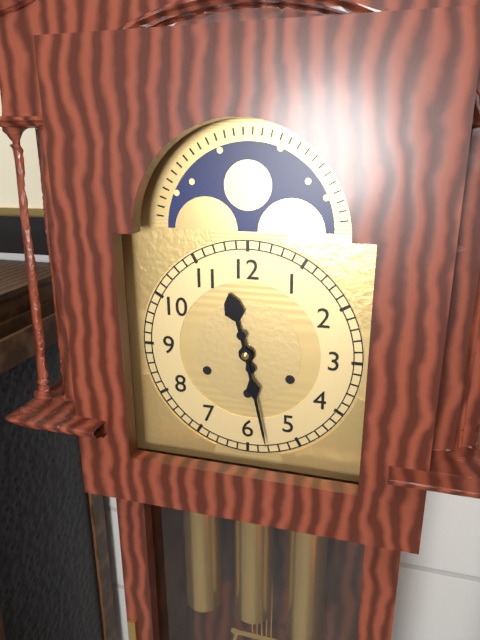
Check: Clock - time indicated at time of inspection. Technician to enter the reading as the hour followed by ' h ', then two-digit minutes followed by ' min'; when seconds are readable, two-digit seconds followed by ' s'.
11 h 28 min
